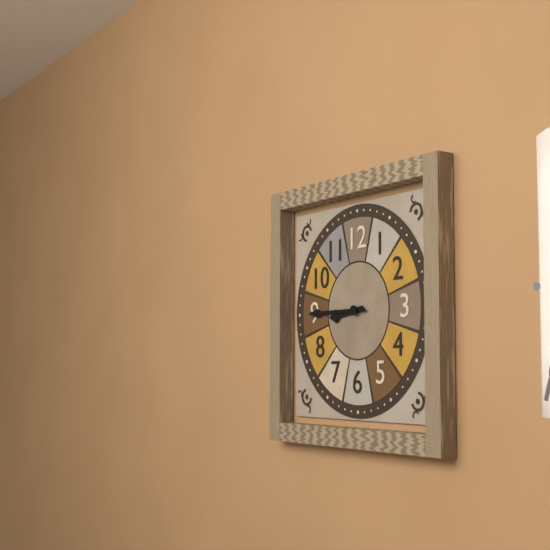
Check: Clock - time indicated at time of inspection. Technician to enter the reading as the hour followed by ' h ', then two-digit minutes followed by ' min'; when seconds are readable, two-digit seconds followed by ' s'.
8 h 45 min
